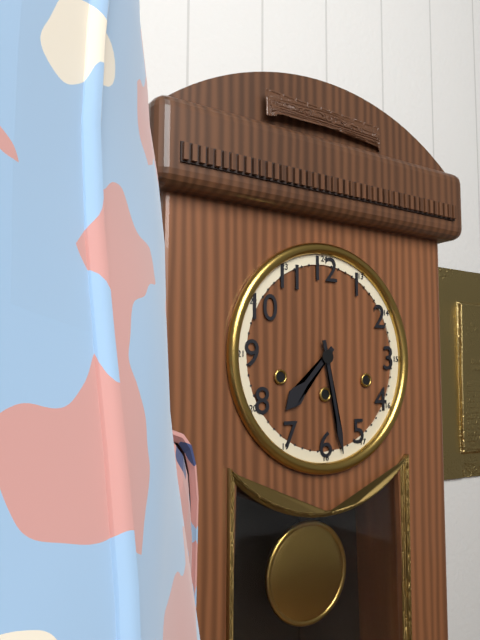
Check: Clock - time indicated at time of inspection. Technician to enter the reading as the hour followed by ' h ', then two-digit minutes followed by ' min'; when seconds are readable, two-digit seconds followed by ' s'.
7 h 28 min
